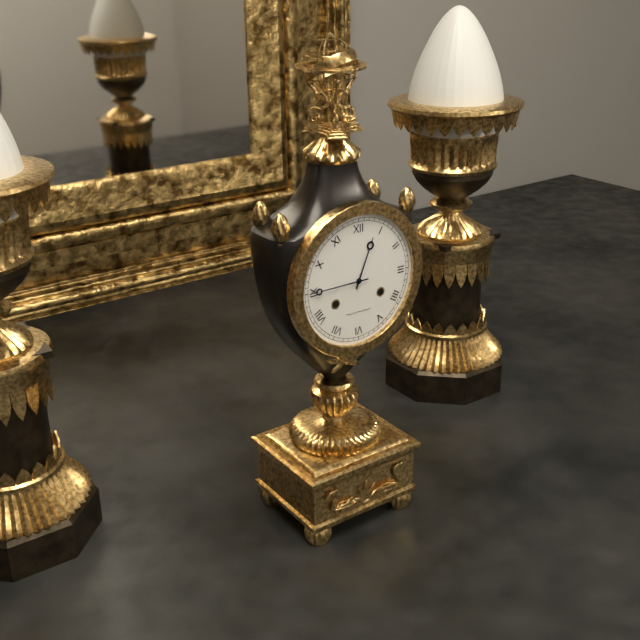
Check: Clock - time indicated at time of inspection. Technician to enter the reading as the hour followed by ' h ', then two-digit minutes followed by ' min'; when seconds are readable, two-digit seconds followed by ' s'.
12 h 45 min
